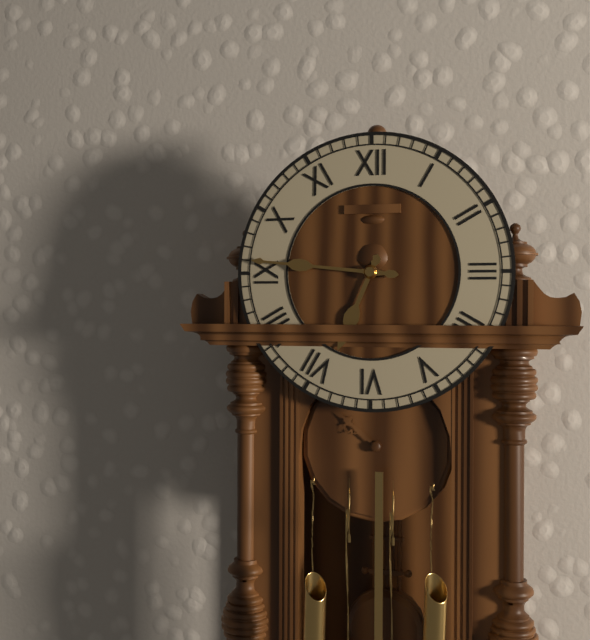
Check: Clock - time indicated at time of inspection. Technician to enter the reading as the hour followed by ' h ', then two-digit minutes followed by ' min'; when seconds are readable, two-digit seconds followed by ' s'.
6 h 46 min
